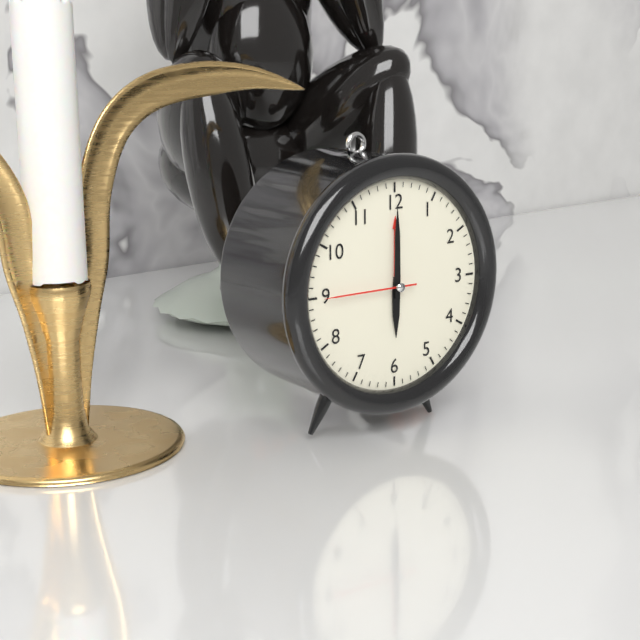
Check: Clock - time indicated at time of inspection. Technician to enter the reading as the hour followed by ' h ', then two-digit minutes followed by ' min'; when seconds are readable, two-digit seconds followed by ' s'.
6 h 00 min 45 s
